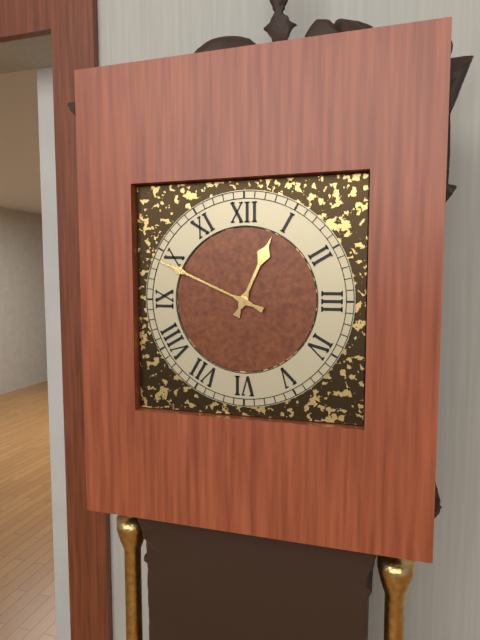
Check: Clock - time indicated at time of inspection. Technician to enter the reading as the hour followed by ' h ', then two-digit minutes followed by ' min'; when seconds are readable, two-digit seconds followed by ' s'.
12 h 49 min
